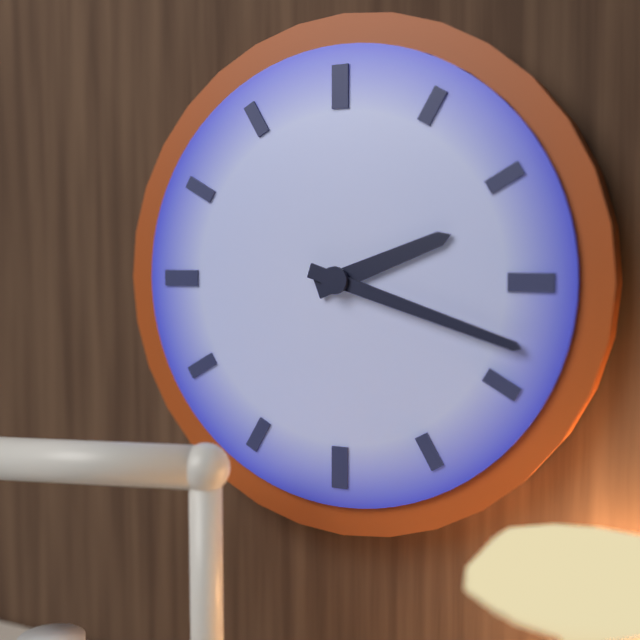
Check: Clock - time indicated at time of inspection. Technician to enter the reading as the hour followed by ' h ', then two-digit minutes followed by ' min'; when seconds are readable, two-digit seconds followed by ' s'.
2 h 18 min
